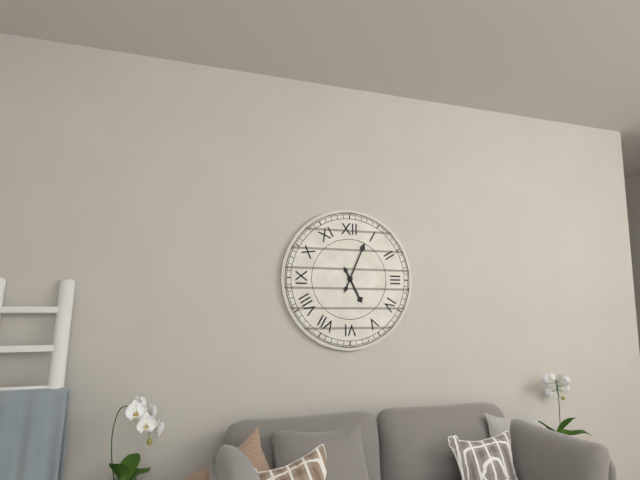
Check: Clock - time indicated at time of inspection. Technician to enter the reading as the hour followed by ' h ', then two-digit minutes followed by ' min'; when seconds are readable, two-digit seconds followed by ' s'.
5 h 04 min
